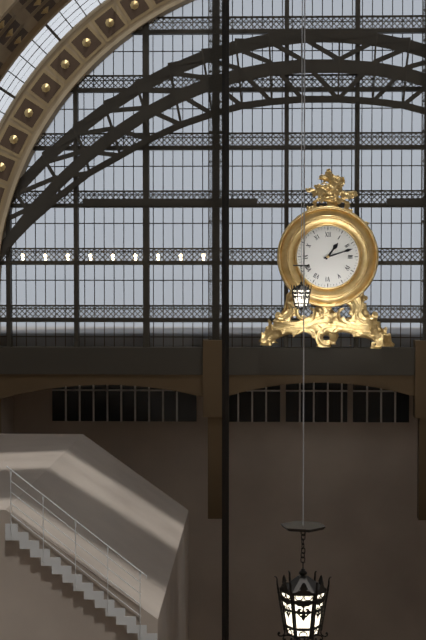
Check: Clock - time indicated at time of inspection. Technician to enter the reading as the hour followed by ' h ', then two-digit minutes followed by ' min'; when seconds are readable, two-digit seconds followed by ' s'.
1 h 12 min
